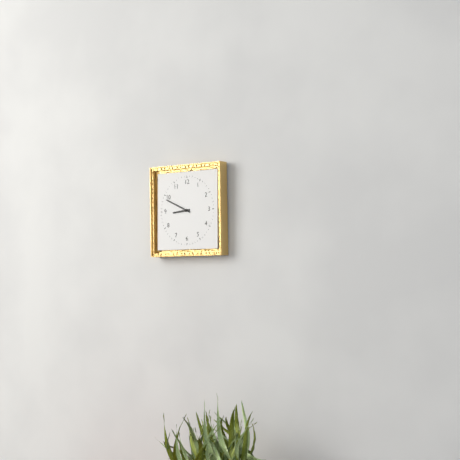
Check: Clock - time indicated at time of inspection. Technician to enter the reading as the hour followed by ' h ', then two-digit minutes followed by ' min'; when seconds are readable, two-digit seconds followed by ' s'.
8 h 49 min
